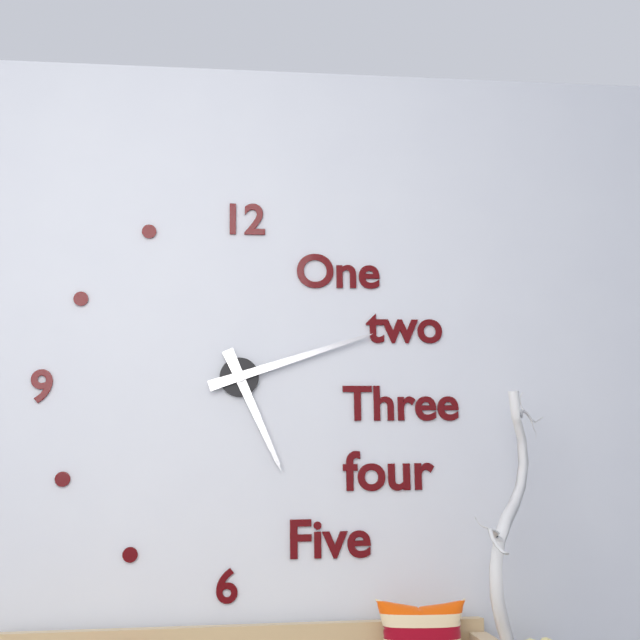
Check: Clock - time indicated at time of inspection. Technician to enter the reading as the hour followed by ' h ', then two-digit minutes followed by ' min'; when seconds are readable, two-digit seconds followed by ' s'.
5 h 12 min
